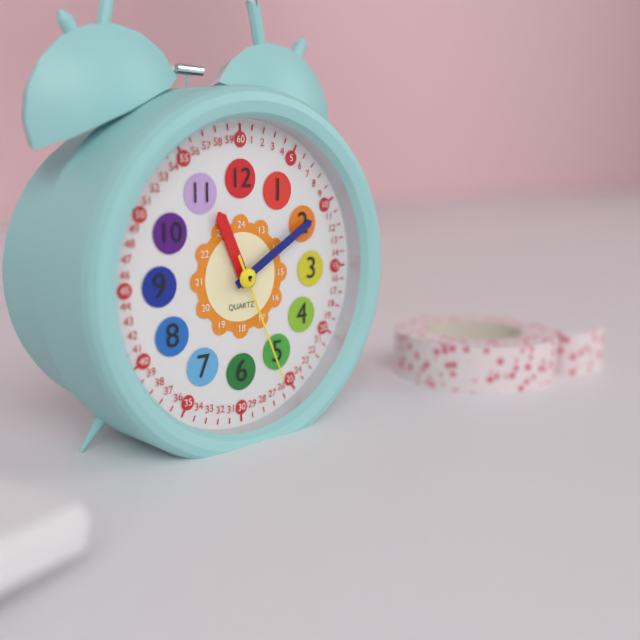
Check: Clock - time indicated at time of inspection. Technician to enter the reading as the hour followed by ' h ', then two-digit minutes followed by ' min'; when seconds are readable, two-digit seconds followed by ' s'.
11 h 10 min 26 s
